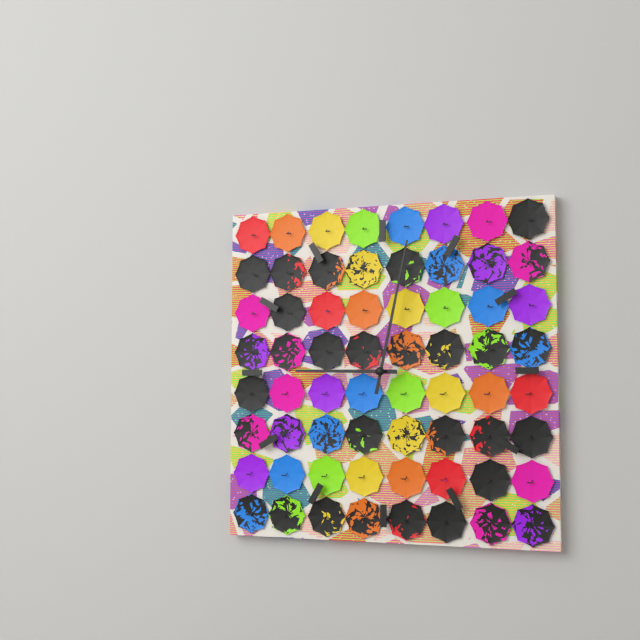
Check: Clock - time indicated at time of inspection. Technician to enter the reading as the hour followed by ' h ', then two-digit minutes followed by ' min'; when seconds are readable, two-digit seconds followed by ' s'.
9 h 02 min
